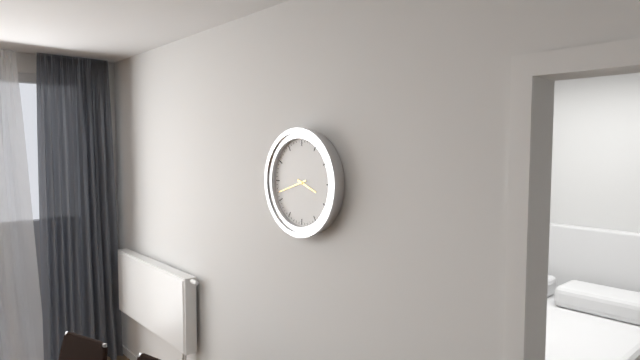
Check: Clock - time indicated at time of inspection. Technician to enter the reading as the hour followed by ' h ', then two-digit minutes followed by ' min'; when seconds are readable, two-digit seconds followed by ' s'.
3 h 42 min
